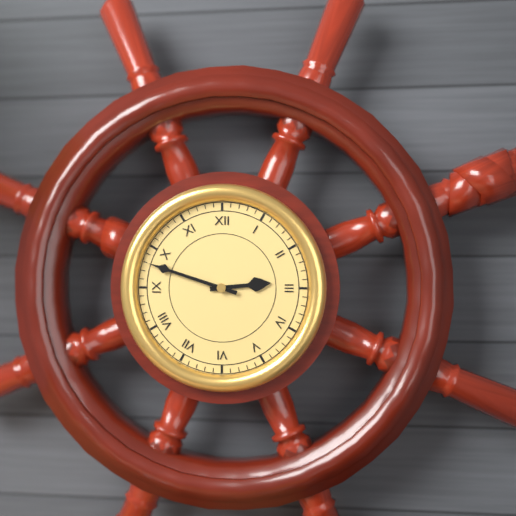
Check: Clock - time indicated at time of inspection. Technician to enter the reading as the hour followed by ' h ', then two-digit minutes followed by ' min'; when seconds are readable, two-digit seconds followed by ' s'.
2 h 48 min
